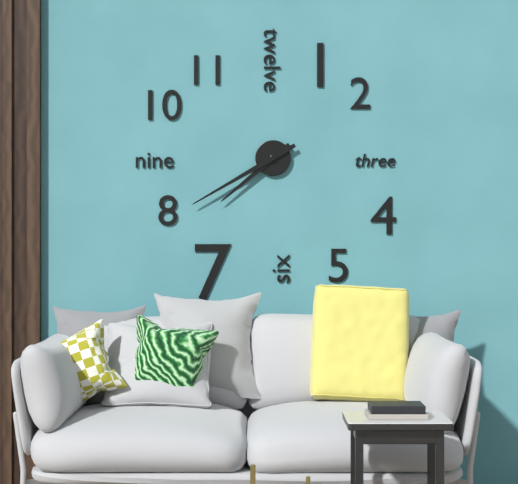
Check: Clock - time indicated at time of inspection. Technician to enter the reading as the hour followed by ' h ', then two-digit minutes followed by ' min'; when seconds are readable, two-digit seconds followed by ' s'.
7 h 40 min
